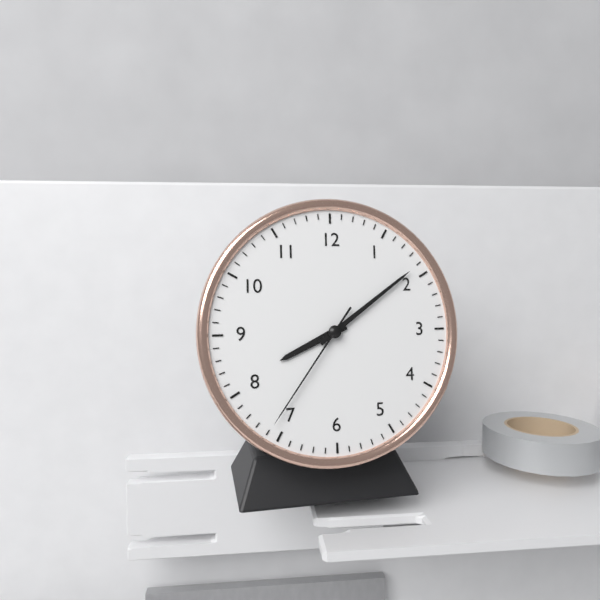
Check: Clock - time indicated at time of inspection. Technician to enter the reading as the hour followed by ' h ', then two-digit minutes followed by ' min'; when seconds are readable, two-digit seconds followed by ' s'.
8 h 09 min 36 s
